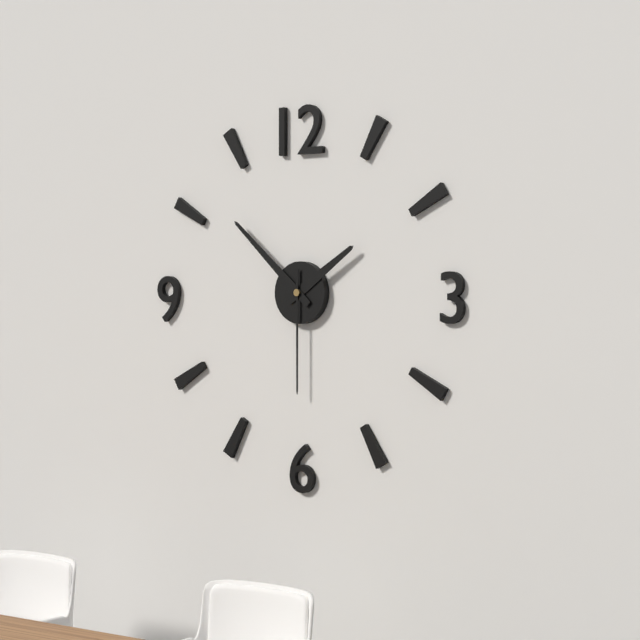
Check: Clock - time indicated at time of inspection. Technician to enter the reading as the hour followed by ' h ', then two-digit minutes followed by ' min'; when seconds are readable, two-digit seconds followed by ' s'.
1 h 52 min 30 s
